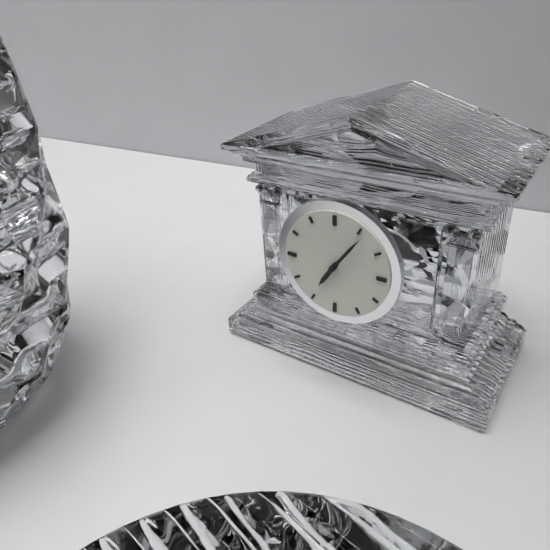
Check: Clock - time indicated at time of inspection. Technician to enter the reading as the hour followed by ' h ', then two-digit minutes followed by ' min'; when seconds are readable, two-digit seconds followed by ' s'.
7 h 06 min
